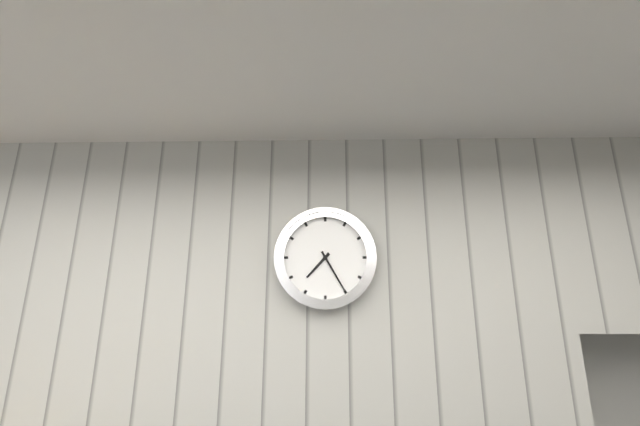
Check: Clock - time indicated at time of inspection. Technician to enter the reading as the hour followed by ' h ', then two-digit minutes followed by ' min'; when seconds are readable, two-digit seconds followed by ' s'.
7 h 25 min
